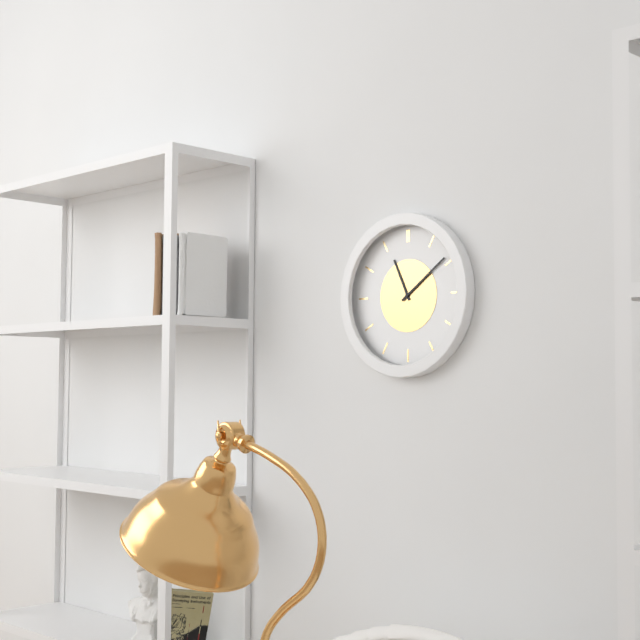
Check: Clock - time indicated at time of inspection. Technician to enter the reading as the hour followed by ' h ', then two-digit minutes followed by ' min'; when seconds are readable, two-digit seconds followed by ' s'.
11 h 09 min
